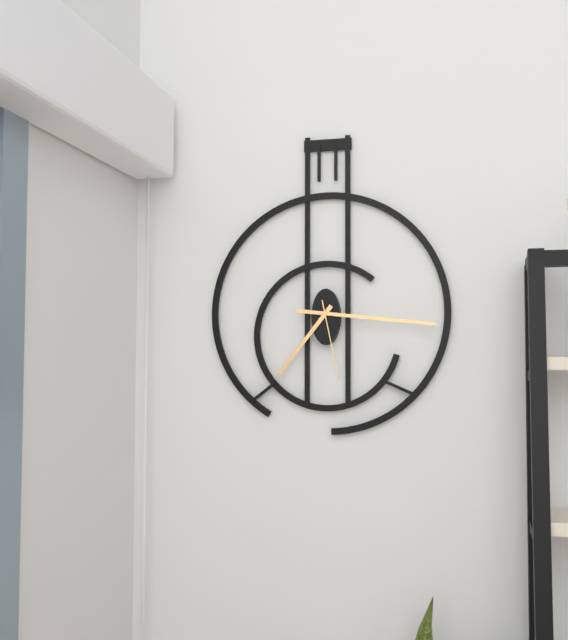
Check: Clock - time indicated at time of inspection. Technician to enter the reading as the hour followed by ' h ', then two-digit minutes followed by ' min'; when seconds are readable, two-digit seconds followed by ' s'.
7 h 16 min 28 s
